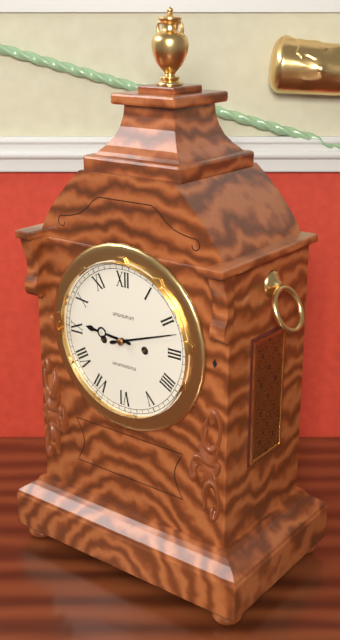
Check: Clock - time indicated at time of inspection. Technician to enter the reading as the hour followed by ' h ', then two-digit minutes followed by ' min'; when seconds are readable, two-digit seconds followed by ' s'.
9 h 12 min
